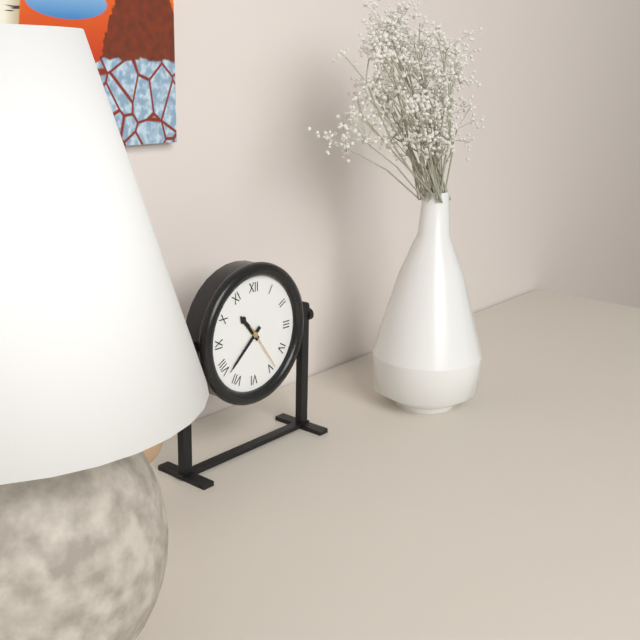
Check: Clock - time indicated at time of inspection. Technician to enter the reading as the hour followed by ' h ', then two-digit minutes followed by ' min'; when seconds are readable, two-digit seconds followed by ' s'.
10 h 38 min
